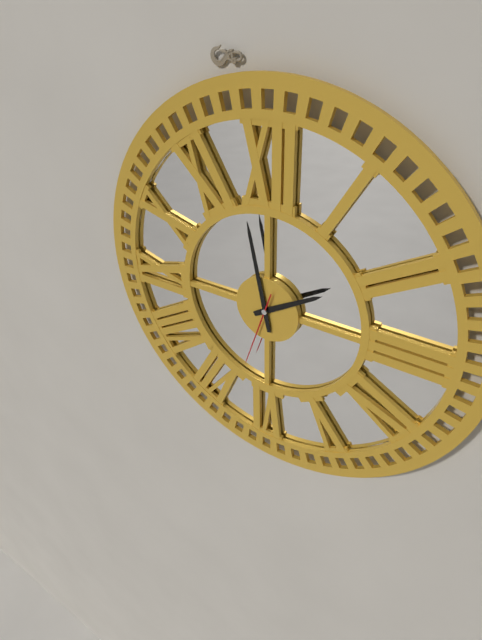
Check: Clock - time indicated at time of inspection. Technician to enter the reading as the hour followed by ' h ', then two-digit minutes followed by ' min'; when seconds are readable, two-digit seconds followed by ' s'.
1 h 58 min 33 s
